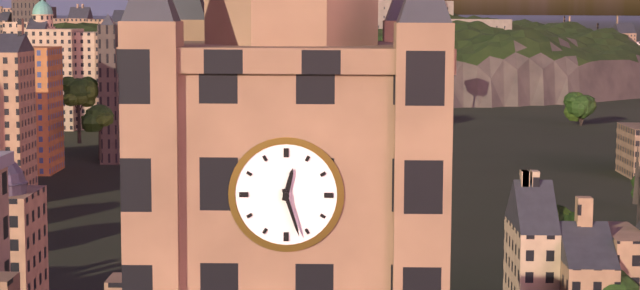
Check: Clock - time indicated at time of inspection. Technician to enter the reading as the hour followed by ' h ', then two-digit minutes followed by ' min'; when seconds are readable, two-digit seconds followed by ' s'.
12 h 27 min
